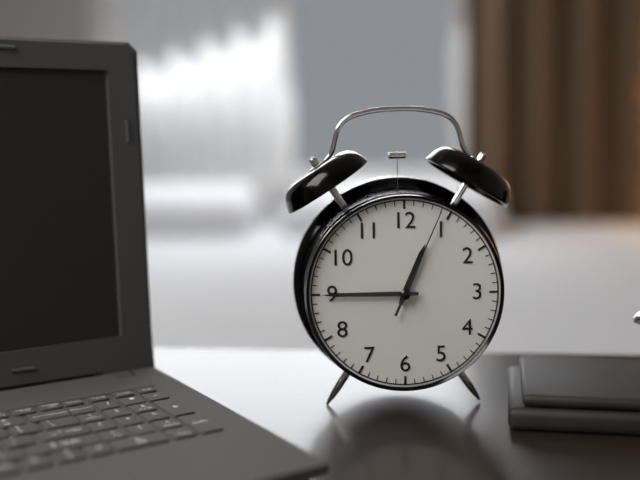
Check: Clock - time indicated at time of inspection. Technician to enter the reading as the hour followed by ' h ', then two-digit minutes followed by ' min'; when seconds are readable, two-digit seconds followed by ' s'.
12 h 45 min 04 s
